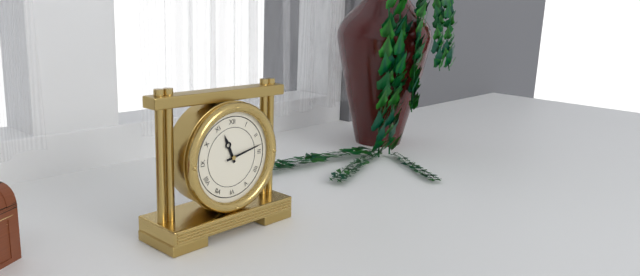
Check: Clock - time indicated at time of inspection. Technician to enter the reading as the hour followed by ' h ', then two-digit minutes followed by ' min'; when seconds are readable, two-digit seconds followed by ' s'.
11 h 13 min
